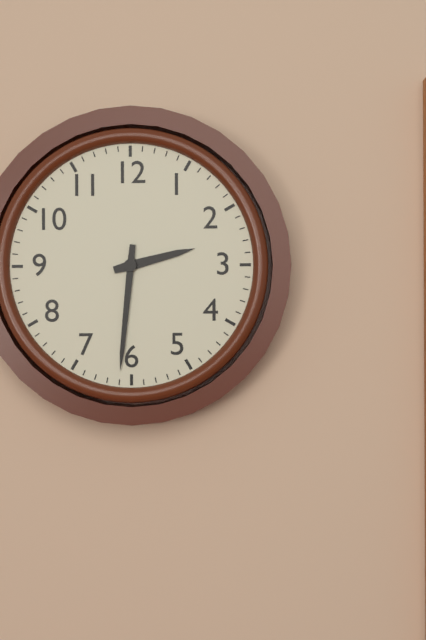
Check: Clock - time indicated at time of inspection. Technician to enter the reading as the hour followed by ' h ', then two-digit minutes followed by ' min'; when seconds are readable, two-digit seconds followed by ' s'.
2 h 31 min
